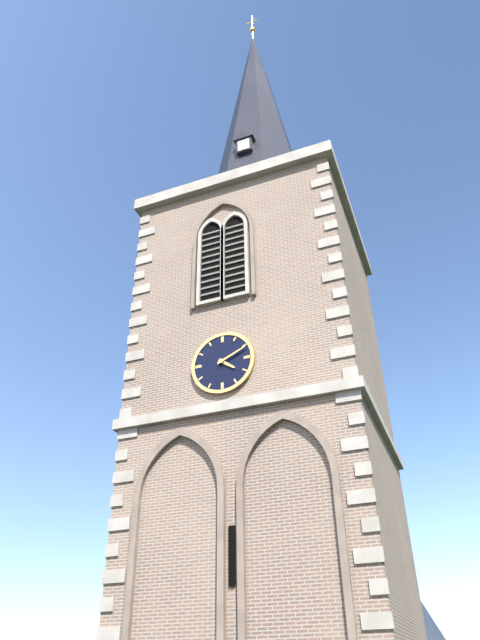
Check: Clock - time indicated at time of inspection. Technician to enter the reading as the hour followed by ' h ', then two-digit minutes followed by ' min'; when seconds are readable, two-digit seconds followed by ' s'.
4 h 11 min
